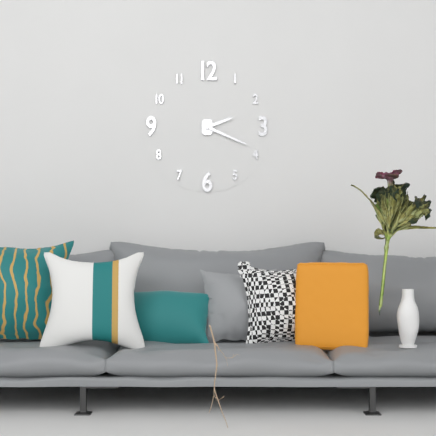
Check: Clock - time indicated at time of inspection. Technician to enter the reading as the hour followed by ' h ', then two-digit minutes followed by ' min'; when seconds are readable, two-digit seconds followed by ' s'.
2 h 19 min
